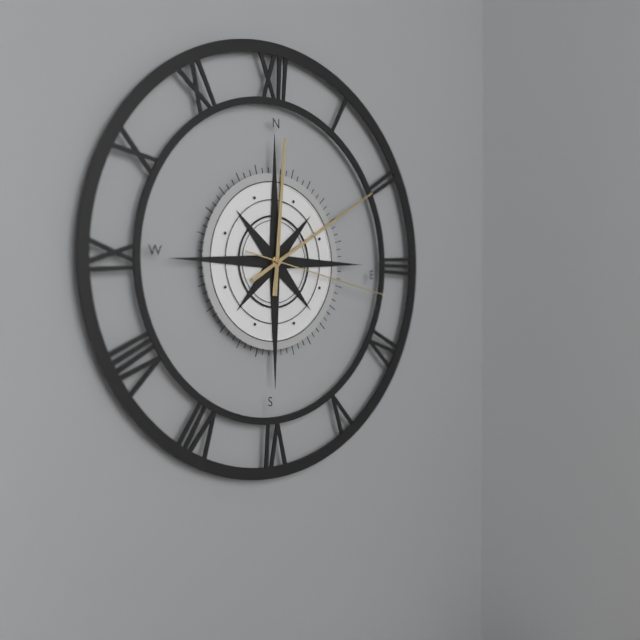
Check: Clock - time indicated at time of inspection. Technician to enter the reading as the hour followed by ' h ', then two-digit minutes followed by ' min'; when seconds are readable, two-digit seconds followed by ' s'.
12 h 10 min 17 s
